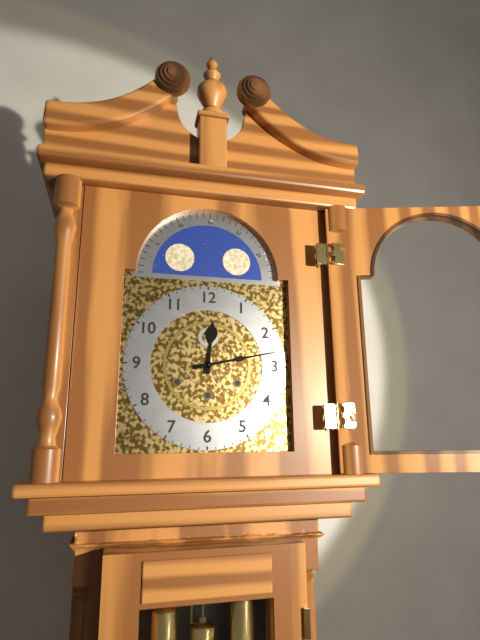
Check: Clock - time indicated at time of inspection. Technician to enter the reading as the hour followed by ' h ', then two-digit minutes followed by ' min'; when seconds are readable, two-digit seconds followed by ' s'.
12 h 13 min
